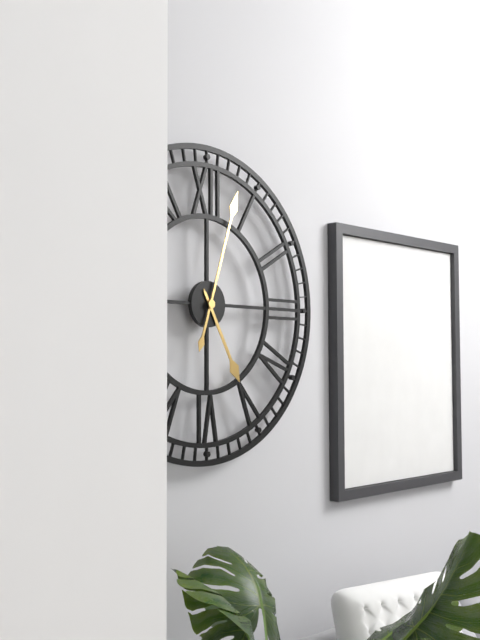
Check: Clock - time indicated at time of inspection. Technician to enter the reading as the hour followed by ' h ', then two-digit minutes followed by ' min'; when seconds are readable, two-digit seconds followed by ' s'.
5 h 03 min
